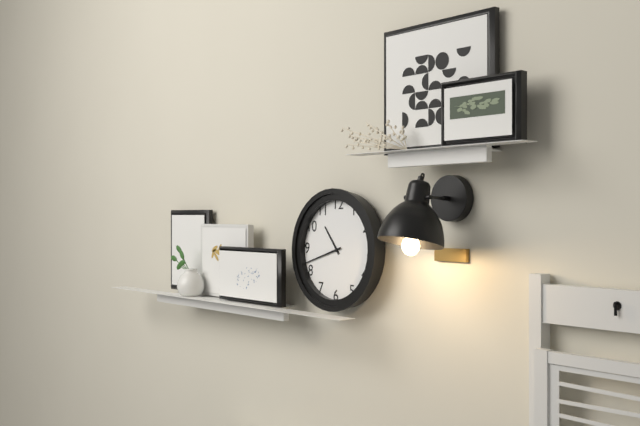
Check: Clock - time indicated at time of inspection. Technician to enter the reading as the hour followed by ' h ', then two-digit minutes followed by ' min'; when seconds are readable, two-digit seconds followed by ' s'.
10 h 42 min
